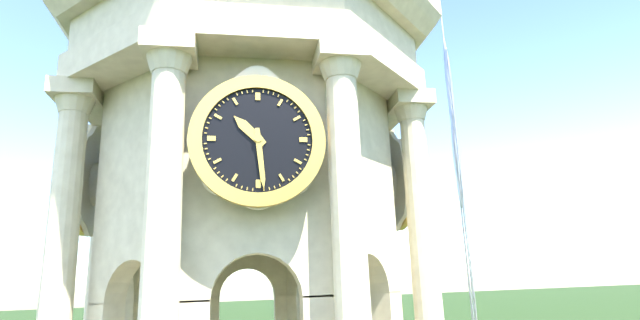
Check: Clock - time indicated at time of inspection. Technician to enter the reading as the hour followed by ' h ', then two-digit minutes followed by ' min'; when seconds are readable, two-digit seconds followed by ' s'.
10 h 29 min
